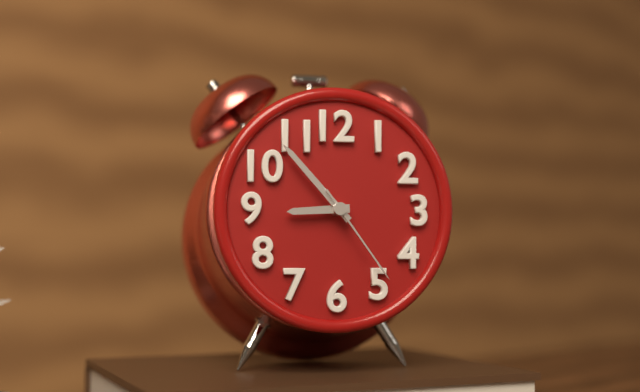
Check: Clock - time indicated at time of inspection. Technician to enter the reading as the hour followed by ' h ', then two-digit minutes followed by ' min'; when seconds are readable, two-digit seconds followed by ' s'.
8 h 53 min 24 s
